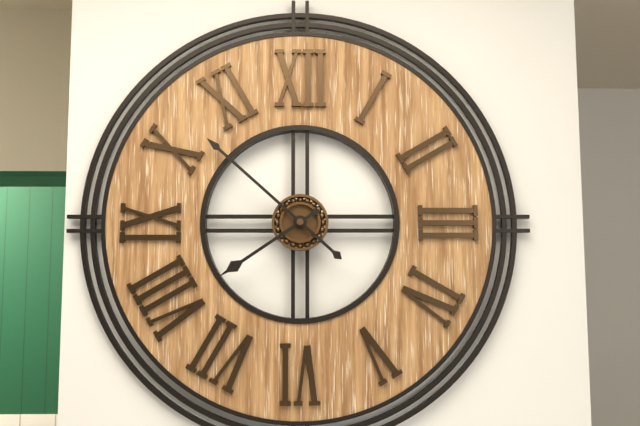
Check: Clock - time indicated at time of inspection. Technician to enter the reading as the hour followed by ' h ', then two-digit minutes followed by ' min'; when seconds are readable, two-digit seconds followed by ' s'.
7 h 52 min
